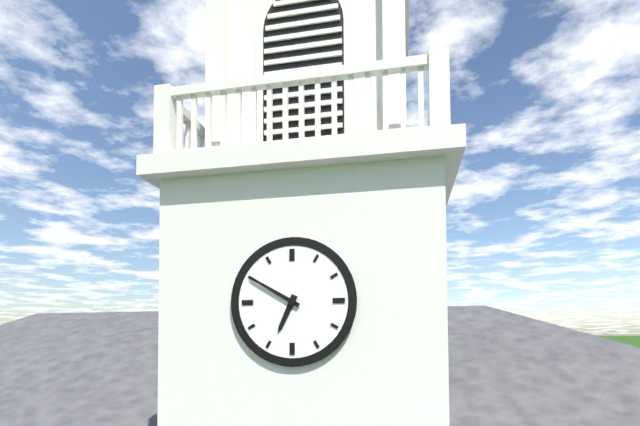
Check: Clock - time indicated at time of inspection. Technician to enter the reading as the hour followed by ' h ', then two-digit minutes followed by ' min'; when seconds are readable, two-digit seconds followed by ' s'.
6 h 50 min
